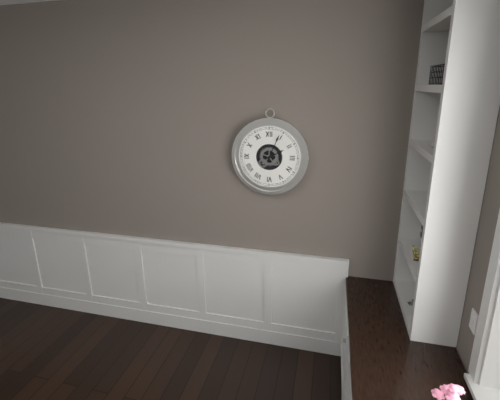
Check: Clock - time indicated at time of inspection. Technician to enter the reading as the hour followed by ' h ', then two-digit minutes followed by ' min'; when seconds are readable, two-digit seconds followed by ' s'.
2 h 04 min
